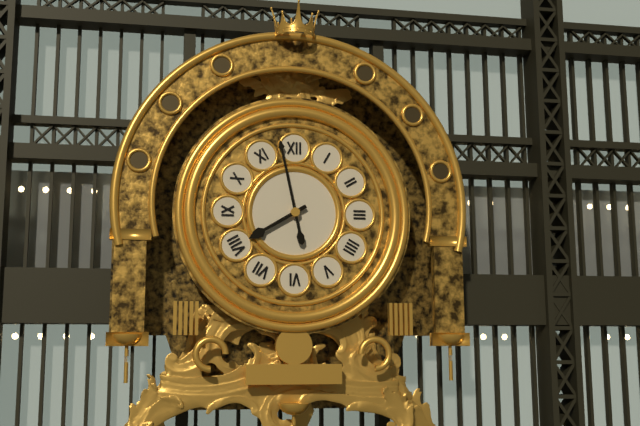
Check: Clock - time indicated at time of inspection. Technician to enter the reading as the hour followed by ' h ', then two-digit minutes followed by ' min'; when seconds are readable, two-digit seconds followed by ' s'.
7 h 58 min
